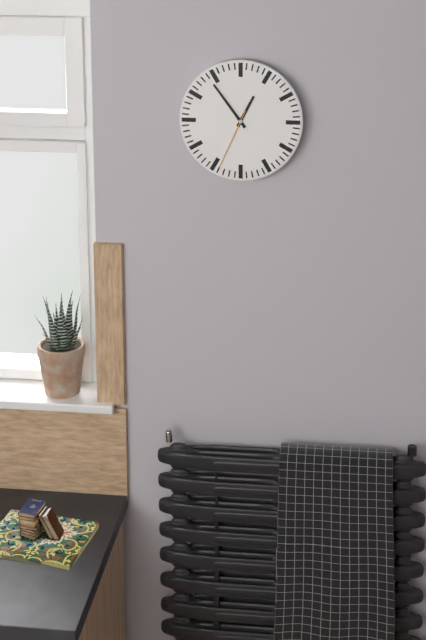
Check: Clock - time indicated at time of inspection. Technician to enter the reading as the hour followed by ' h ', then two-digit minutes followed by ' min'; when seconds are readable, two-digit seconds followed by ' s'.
12 h 54 min 34 s
